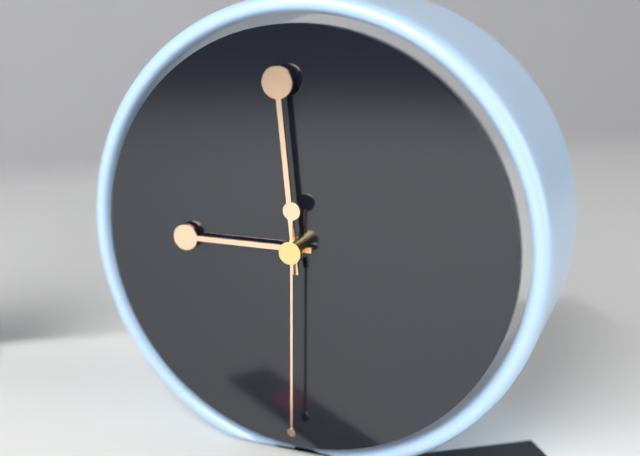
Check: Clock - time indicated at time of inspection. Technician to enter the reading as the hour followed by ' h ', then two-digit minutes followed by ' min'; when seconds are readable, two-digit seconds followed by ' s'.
8 h 59 min 30 s
